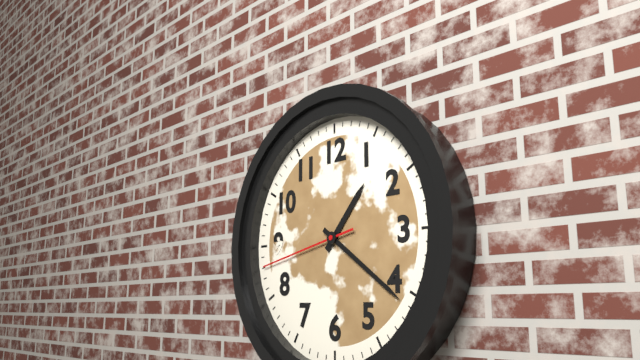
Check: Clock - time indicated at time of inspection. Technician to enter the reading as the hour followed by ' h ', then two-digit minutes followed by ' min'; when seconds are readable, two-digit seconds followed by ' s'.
1 h 21 min 43 s
